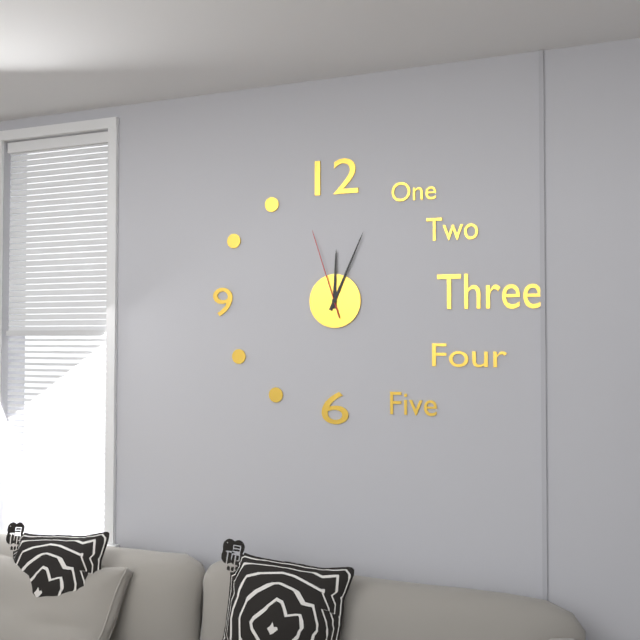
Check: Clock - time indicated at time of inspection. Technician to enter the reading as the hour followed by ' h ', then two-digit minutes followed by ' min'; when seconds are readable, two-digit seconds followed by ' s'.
12 h 04 min 57 s
